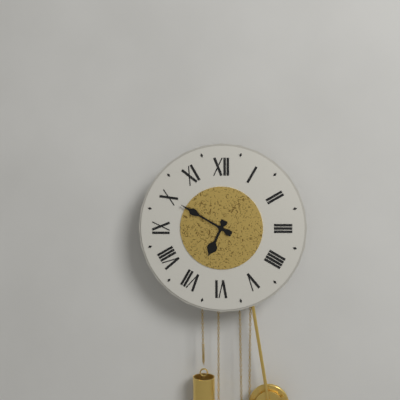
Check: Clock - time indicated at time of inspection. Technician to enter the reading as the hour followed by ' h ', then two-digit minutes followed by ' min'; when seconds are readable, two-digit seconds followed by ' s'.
6 h 50 min
